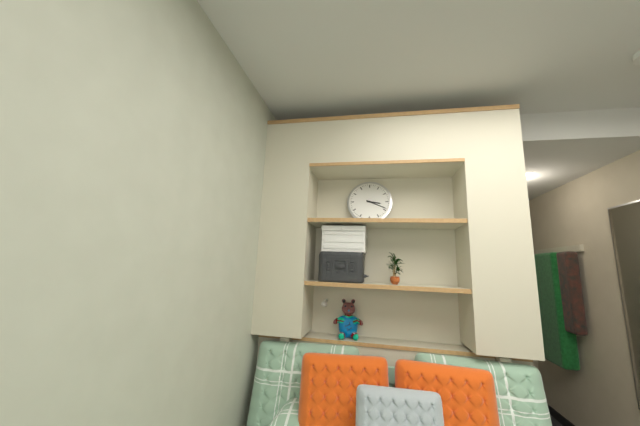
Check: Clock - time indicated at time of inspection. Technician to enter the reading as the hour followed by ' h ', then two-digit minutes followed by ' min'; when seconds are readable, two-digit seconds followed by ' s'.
3 h 19 min
